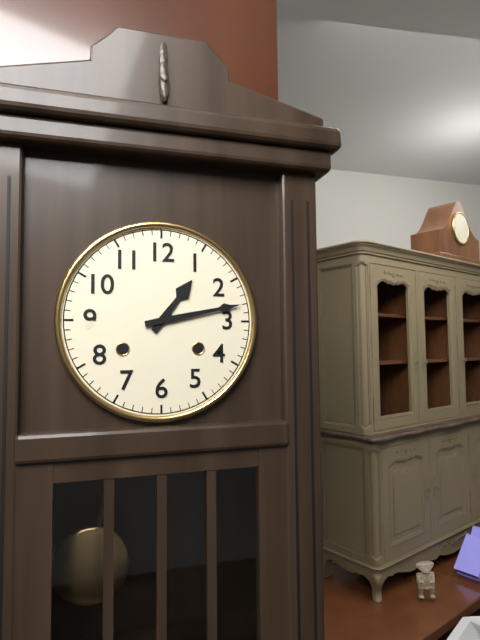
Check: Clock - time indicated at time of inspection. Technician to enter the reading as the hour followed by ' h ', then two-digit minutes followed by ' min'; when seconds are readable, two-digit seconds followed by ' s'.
1 h 13 min
